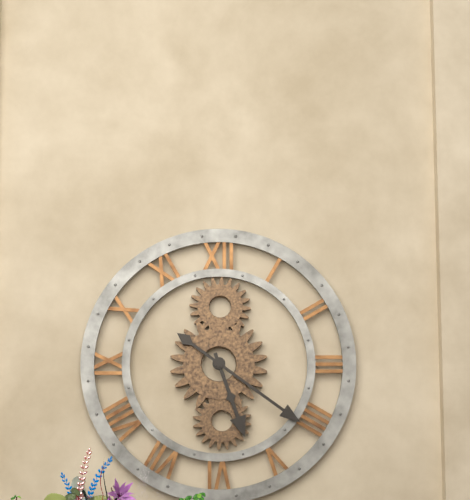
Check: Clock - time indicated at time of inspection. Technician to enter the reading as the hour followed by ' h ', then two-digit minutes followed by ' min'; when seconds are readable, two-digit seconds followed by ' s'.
5 h 21 min
